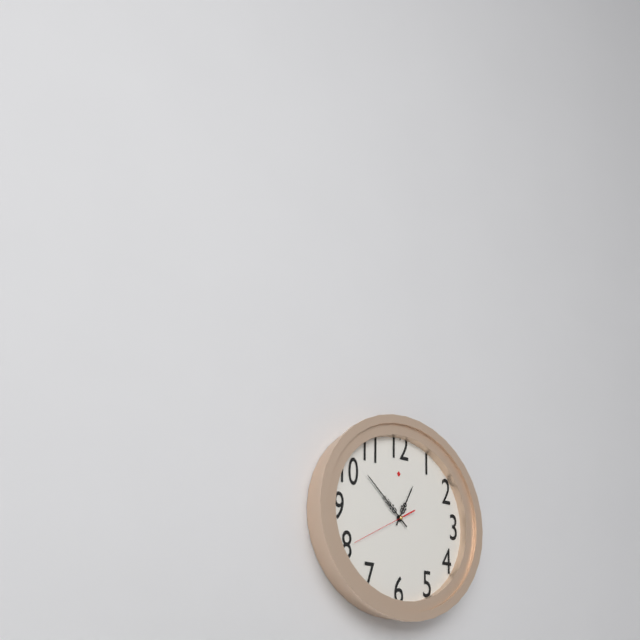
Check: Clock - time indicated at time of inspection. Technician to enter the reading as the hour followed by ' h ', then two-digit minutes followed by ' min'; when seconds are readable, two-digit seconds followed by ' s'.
12 h 52 min 40 s
